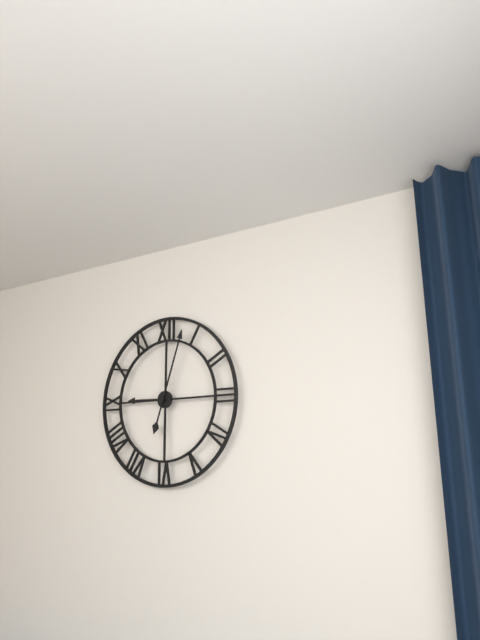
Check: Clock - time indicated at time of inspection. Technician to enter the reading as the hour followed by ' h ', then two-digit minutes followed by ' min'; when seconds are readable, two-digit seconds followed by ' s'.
9 h 03 min
